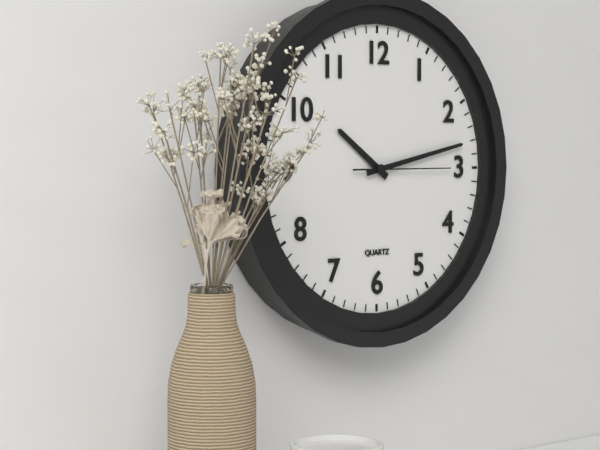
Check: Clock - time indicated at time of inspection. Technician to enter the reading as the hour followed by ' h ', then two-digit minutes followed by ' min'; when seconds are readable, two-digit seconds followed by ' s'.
10 h 13 min 15 s
